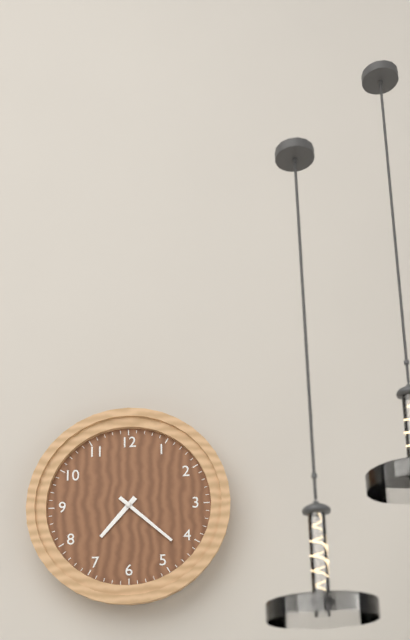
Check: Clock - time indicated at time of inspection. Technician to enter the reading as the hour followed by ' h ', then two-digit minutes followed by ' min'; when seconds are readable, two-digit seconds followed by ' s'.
7 h 22 min
